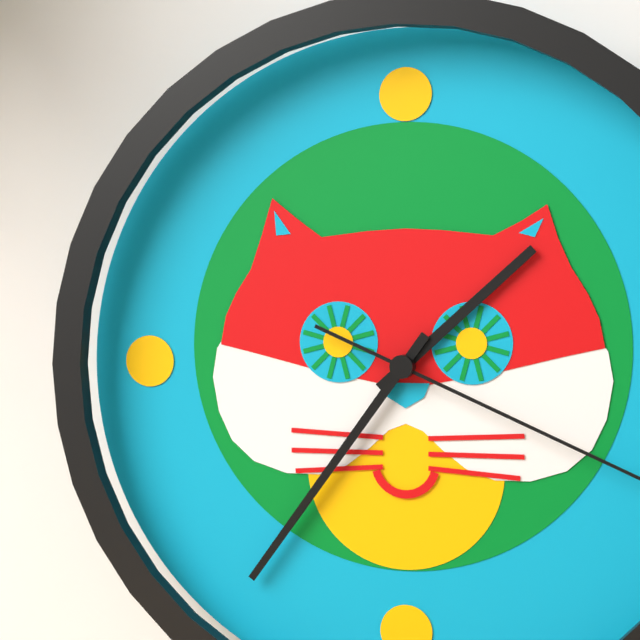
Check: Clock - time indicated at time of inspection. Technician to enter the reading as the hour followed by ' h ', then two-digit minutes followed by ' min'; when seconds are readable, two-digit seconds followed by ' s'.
1 h 36 min
